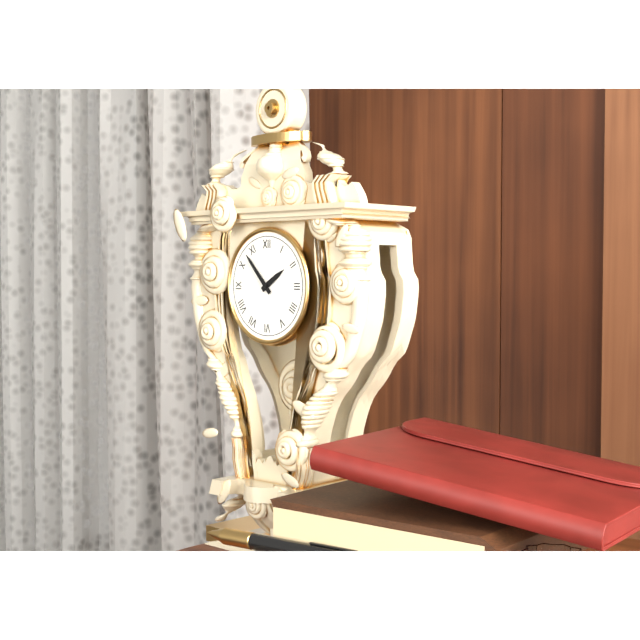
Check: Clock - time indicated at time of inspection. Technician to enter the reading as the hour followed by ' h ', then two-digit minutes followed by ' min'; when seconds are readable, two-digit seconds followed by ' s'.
1 h 53 min
